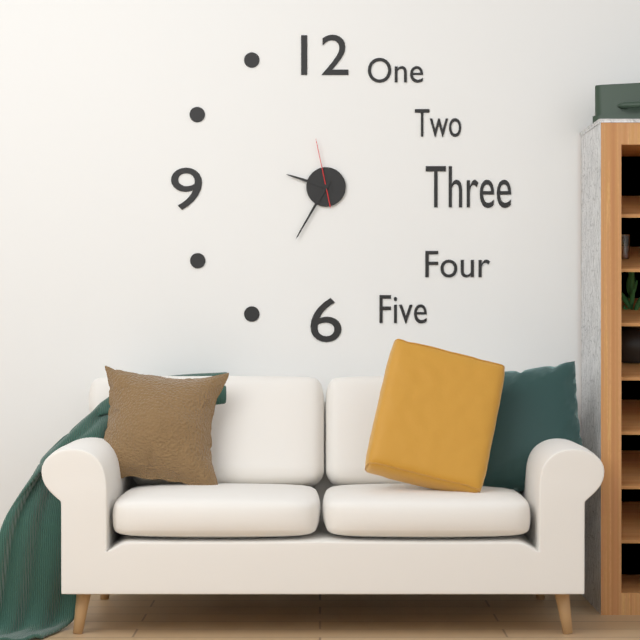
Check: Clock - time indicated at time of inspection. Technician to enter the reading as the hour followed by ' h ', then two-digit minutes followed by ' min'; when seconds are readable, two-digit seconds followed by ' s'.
9 h 35 min 58 s
